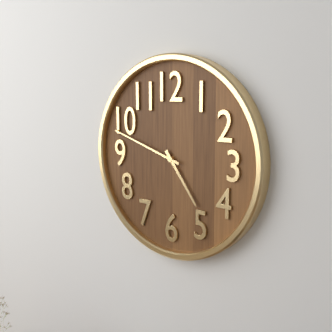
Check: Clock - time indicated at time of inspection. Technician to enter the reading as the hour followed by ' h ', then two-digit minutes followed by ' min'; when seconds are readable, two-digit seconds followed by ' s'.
4 h 48 min
